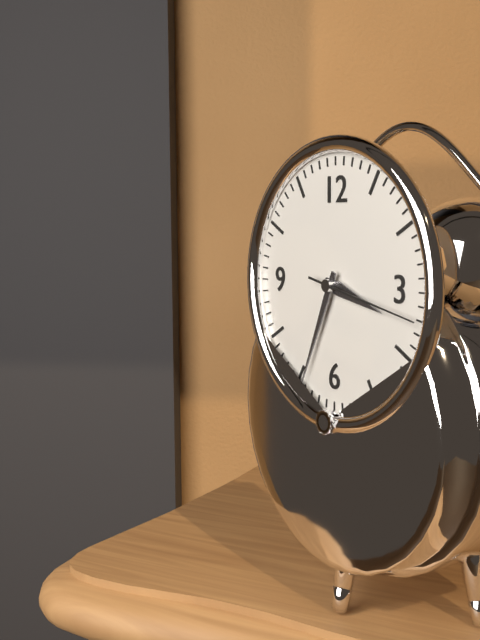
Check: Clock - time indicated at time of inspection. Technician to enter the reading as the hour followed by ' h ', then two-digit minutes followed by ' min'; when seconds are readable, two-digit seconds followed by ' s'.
3 h 34 min 17 s
